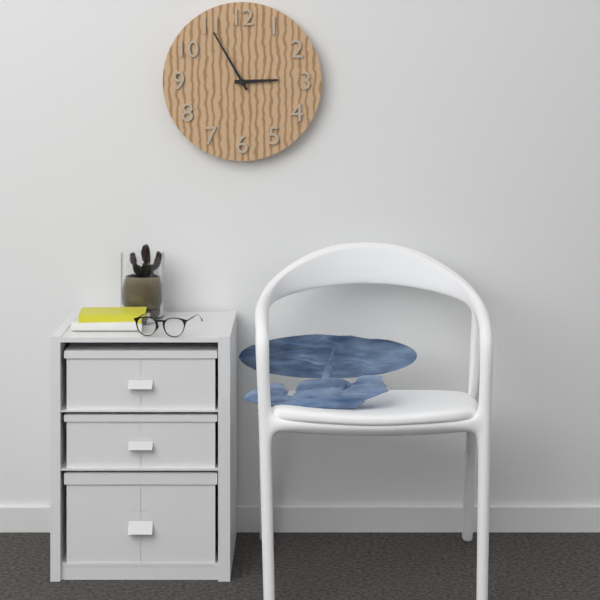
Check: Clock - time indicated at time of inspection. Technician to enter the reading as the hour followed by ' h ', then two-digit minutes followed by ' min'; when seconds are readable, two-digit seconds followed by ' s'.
2 h 55 min
